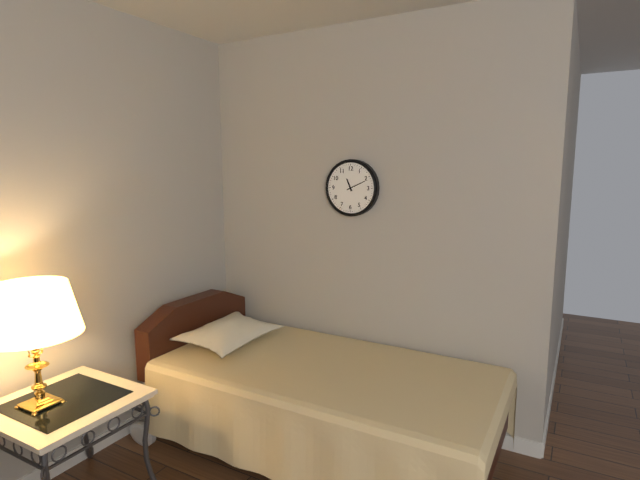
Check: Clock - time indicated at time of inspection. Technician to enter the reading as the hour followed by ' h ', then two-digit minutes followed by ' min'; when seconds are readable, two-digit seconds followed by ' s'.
11 h 11 min
